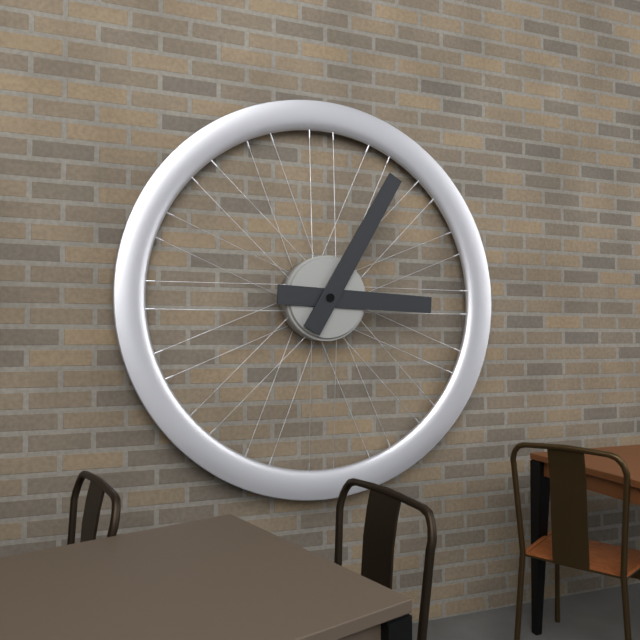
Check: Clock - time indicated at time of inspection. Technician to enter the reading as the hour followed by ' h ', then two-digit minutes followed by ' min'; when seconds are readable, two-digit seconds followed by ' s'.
3 h 05 min
